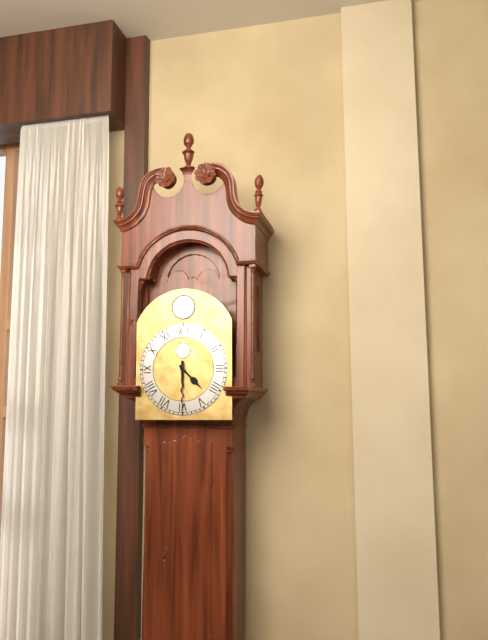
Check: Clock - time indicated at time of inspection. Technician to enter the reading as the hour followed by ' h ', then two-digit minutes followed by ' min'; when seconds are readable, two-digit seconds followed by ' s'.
4 h 30 min
